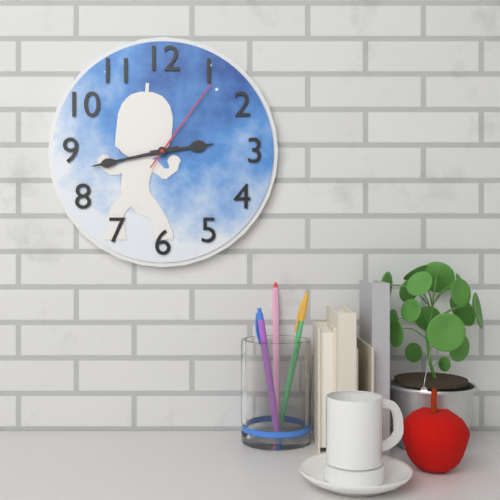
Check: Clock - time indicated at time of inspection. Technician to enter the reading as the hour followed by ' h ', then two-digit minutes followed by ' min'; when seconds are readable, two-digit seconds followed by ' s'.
2 h 43 min 06 s
